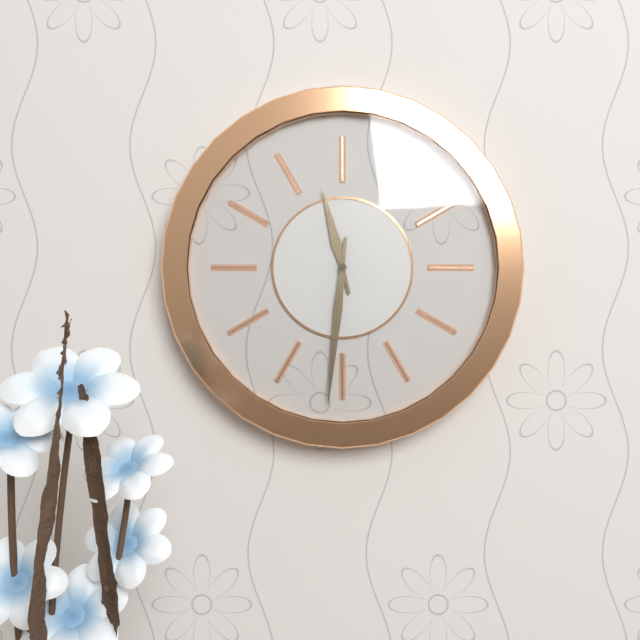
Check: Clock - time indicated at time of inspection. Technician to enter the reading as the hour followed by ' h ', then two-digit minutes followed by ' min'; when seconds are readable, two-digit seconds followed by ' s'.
11 h 31 min
